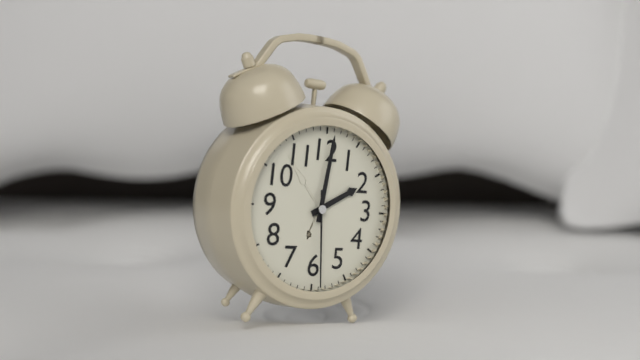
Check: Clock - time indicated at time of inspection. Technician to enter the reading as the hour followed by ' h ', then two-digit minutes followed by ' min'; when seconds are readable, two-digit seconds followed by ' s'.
2 h 01 min 29 s
